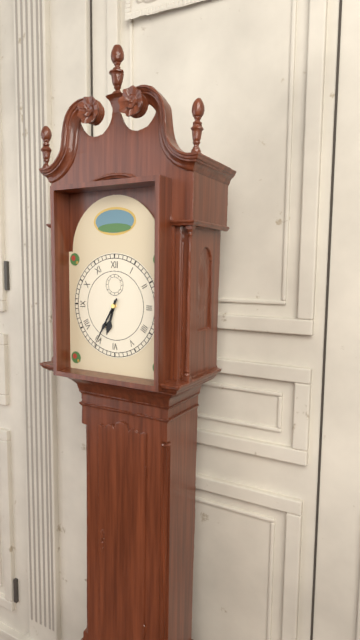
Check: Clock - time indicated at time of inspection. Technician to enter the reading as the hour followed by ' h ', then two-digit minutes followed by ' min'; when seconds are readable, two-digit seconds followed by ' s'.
6 h 35 min
